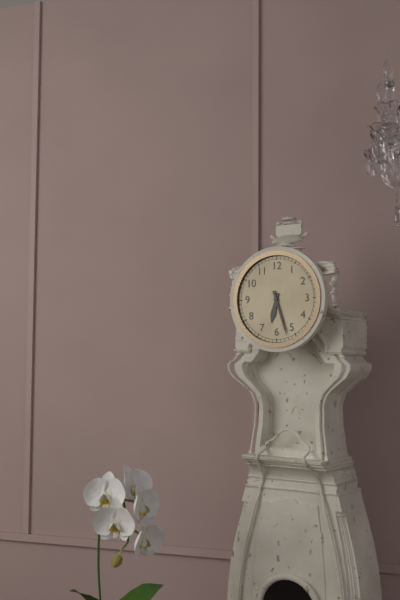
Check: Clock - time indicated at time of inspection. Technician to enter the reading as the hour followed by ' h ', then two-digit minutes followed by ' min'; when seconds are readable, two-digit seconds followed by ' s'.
6 h 27 min
